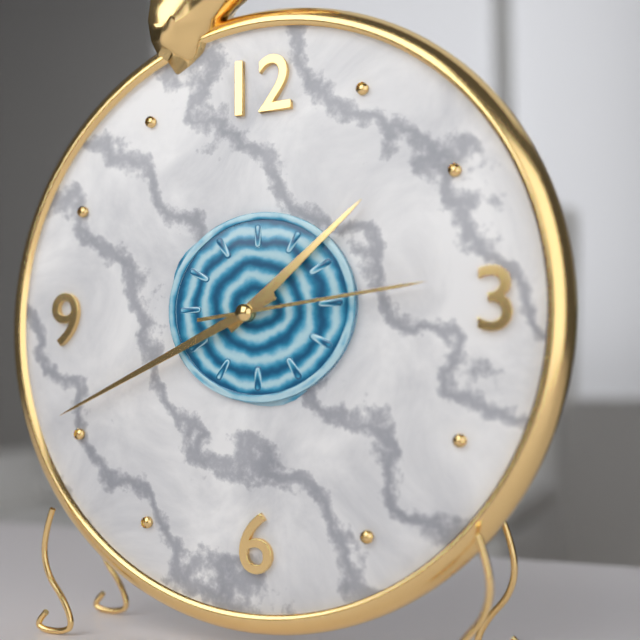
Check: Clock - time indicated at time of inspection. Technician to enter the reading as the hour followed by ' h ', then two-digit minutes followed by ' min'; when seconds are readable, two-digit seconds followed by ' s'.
1 h 41 min 14 s
